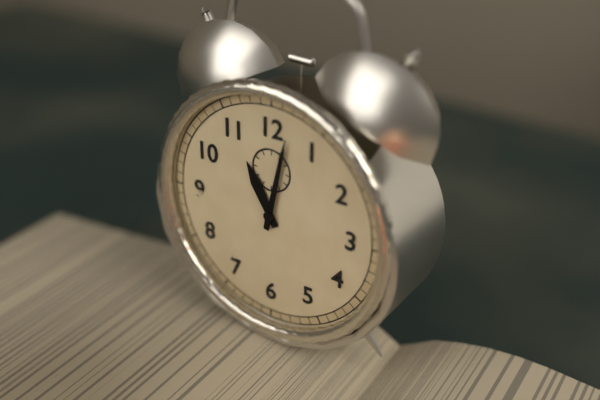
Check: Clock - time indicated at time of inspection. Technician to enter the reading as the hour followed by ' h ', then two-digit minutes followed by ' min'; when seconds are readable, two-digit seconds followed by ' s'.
11 h 02 min
